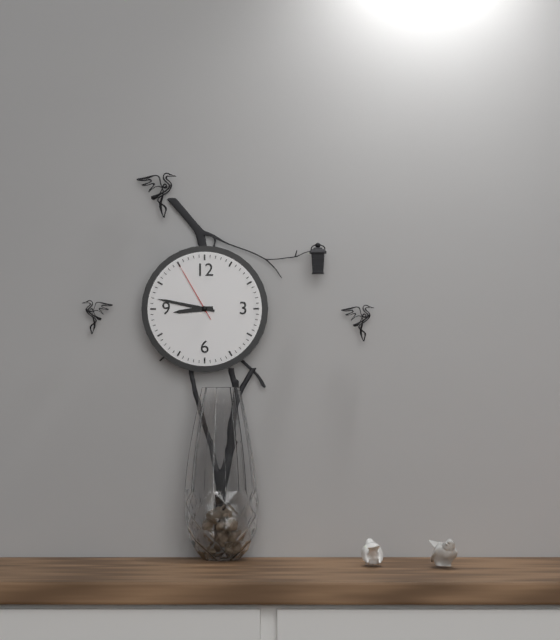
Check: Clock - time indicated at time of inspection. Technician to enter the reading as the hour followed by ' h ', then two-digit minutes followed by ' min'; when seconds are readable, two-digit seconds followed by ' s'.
8 h 47 min 55 s
